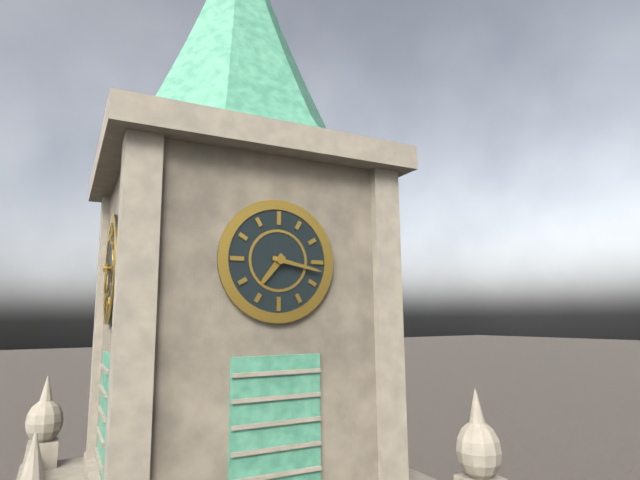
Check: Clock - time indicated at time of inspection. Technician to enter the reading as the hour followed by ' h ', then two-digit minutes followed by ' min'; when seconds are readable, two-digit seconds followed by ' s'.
7 h 17 min
